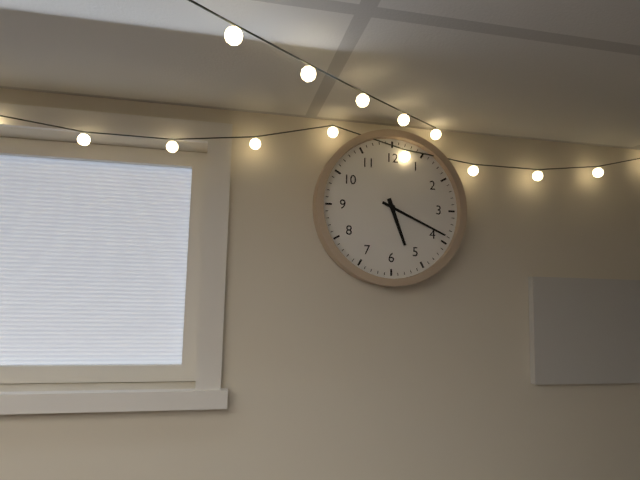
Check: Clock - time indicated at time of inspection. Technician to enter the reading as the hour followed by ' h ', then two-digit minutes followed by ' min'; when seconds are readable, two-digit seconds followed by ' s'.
5 h 19 min
